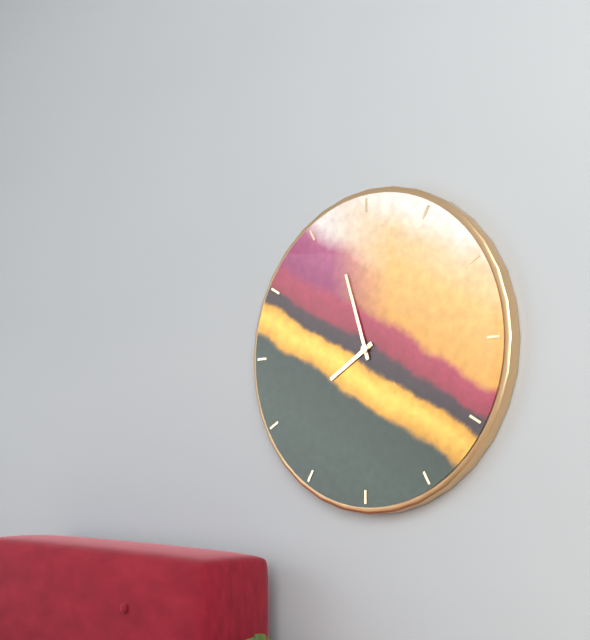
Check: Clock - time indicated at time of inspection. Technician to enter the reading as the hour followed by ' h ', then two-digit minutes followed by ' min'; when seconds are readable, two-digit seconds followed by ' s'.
7 h 57 min
